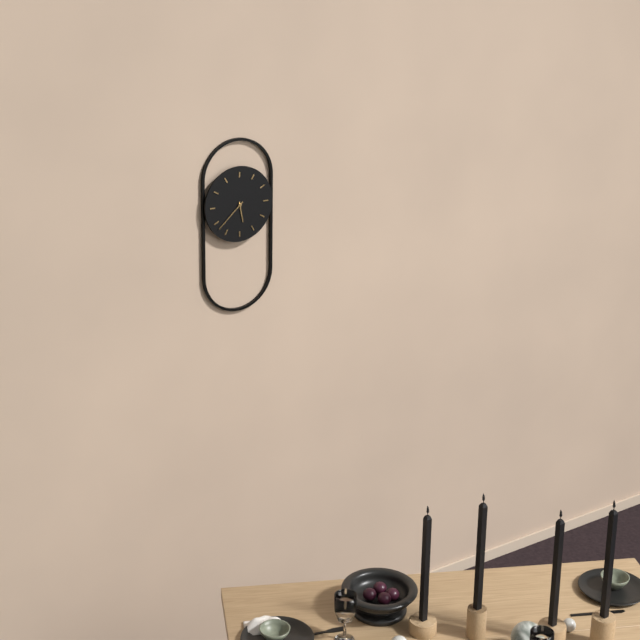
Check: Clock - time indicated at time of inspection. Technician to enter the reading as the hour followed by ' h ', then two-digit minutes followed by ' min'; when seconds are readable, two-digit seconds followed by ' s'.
5 h 38 min
